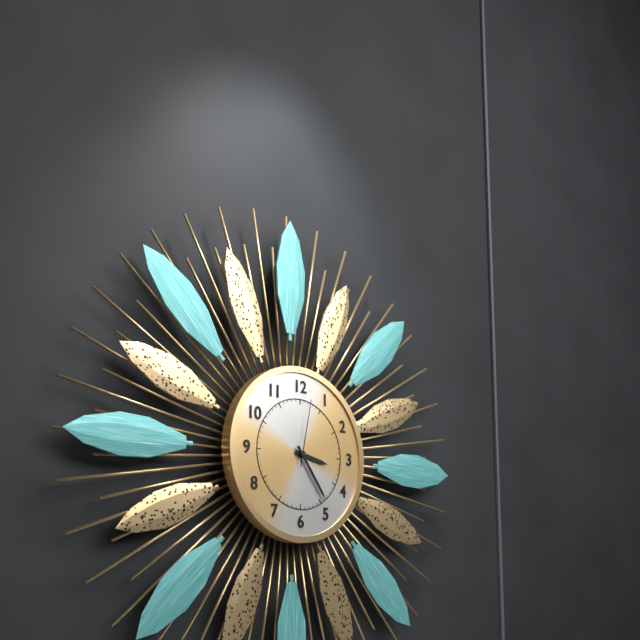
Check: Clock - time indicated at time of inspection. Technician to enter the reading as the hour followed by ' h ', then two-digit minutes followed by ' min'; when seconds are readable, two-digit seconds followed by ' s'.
3 h 24 min 02 s
